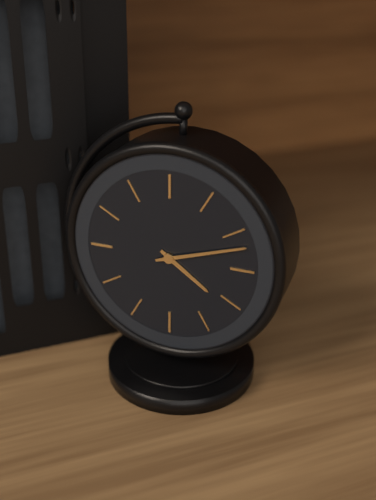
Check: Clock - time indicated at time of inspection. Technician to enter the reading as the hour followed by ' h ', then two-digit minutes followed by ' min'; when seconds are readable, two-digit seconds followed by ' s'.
4 h 12 min
